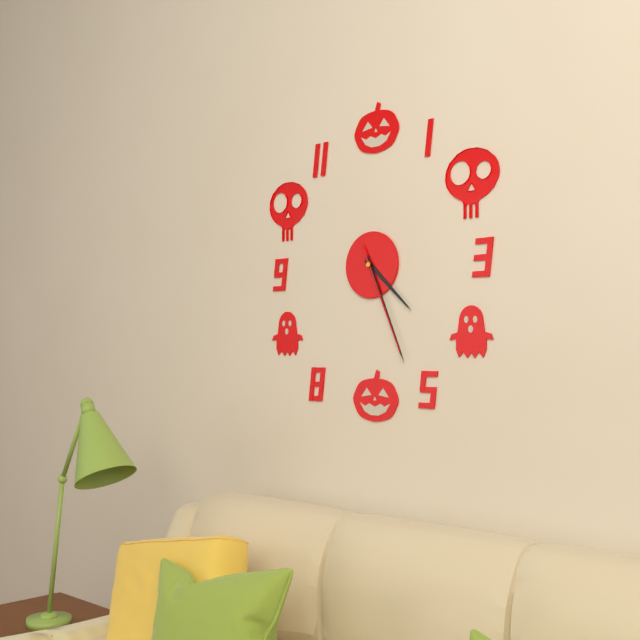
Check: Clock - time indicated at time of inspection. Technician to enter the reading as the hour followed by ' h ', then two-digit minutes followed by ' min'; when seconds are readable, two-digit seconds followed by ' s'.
4 h 26 min 26 s
